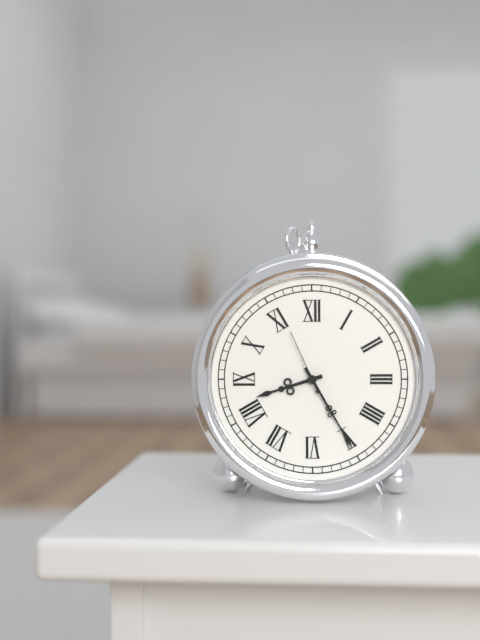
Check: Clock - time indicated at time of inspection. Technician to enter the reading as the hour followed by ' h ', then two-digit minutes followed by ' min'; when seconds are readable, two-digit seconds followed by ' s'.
8 h 25 min 56 s
